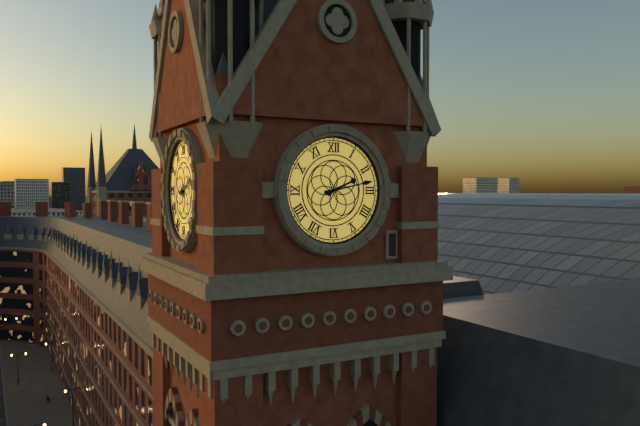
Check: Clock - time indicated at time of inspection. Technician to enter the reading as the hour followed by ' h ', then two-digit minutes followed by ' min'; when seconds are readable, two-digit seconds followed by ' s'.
2 h 13 min
